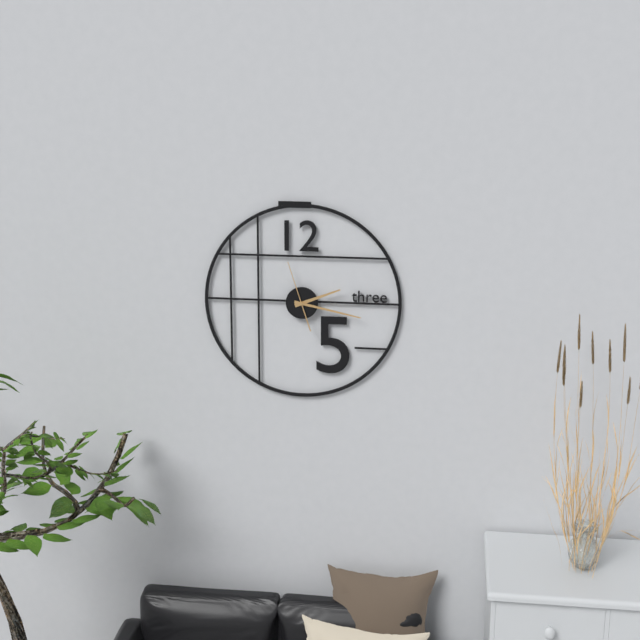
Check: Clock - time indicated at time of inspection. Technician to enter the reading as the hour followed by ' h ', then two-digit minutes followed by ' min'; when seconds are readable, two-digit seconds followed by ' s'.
2 h 17 min 57 s
